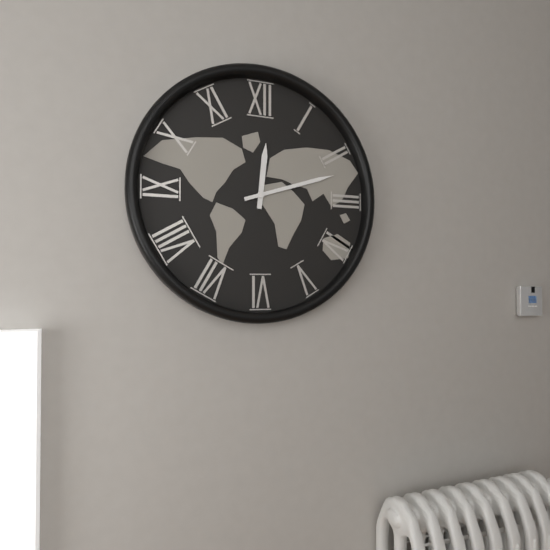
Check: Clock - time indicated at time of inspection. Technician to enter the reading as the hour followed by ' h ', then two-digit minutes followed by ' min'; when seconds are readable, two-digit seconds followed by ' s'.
12 h 12 min
